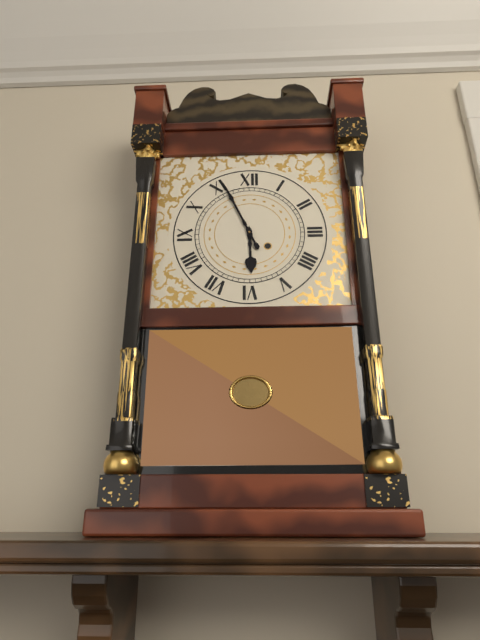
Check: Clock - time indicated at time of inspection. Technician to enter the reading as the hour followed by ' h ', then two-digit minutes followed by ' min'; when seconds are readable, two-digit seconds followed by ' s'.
5 h 56 min
